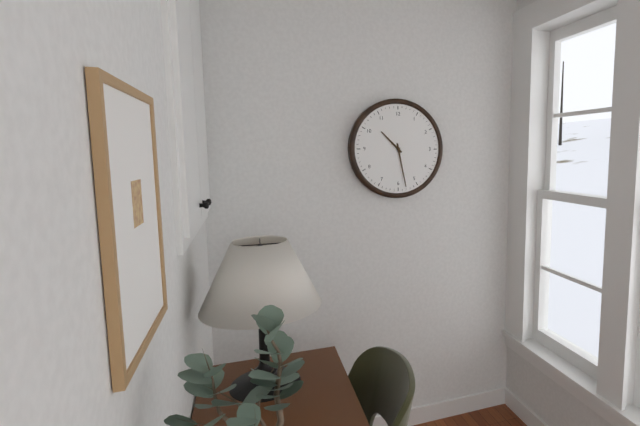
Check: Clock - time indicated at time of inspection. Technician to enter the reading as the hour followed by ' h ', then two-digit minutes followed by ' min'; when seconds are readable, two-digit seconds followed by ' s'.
10 h 28 min
